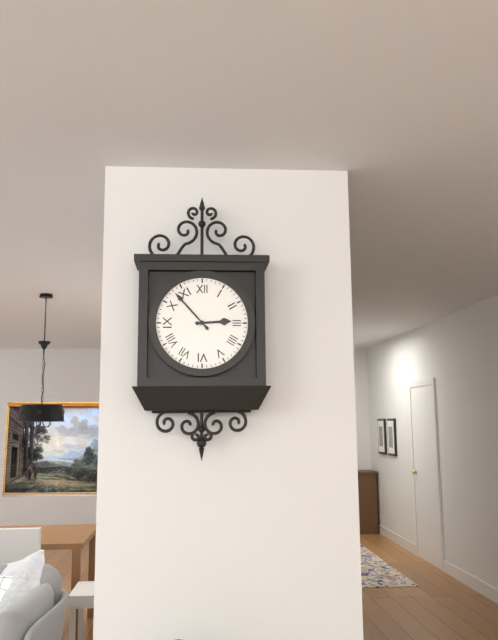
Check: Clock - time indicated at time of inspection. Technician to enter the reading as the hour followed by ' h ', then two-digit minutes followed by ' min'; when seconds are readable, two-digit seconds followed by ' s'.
2 h 53 min
